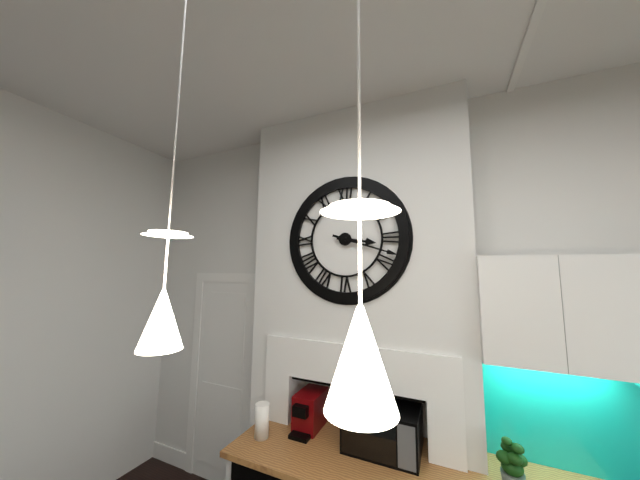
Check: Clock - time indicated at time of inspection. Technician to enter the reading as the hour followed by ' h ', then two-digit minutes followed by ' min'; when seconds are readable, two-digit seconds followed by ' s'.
3 h 18 min
